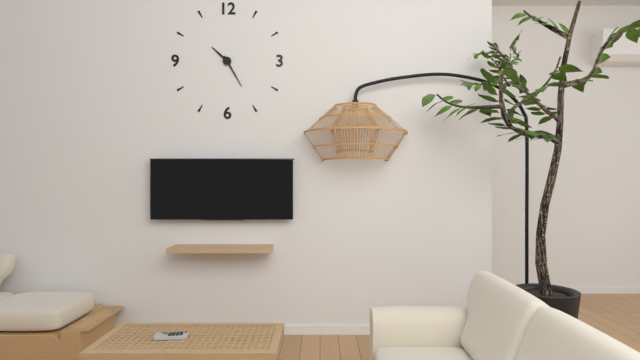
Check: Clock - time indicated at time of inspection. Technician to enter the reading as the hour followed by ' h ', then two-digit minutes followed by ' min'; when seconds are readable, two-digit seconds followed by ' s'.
10 h 25 min
